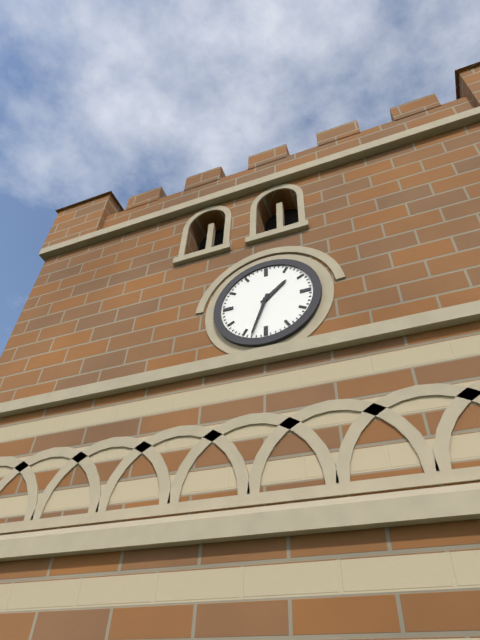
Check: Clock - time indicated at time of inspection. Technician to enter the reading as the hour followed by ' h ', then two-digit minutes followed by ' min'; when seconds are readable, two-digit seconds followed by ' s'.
1 h 33 min
